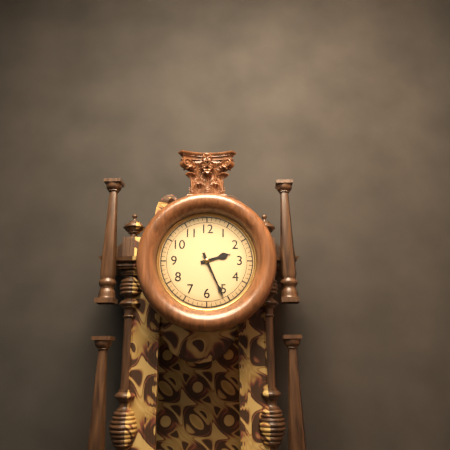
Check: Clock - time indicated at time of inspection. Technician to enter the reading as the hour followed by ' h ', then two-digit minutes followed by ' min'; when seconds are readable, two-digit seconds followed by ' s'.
2 h 26 min
